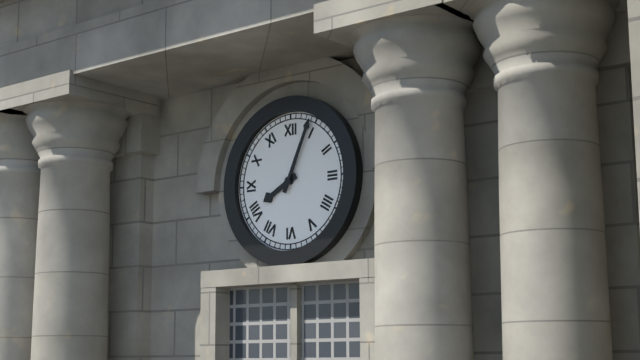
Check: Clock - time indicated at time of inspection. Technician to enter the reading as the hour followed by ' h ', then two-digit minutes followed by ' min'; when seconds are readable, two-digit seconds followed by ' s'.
8 h 04 min
